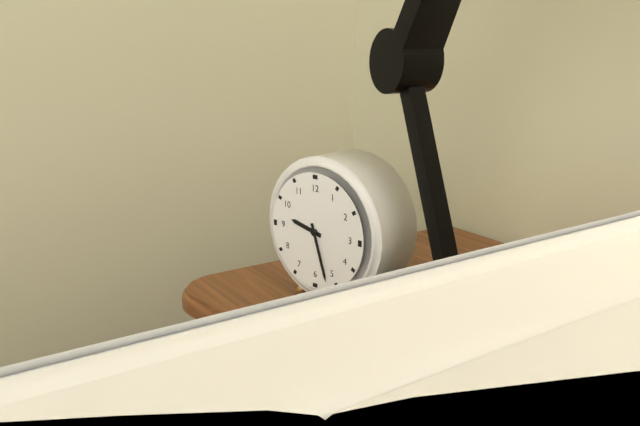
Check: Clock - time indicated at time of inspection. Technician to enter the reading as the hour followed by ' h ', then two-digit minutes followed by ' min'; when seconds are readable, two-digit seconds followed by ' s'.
9 h 27 min
